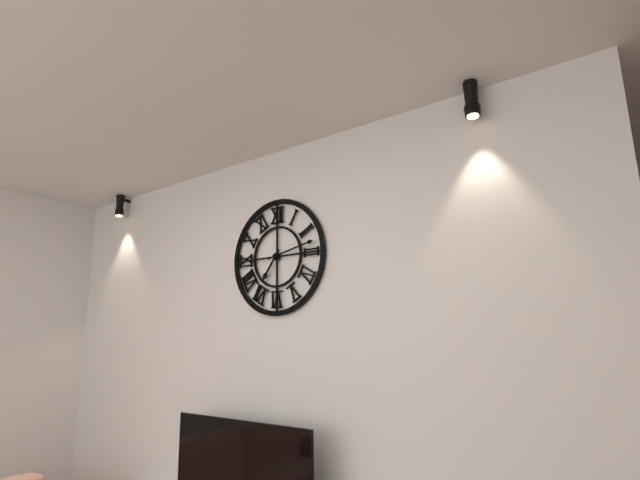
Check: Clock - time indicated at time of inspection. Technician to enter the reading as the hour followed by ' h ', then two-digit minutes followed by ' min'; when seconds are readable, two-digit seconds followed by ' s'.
7 h 13 min
